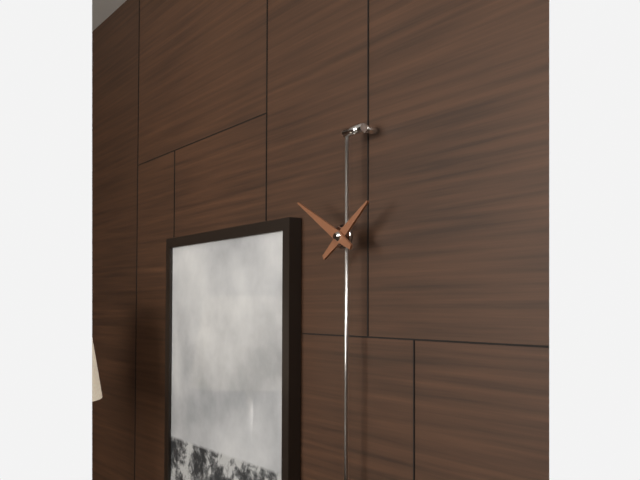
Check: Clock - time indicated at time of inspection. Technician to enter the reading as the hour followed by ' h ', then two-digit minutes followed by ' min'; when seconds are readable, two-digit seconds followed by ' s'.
1 h 50 min
